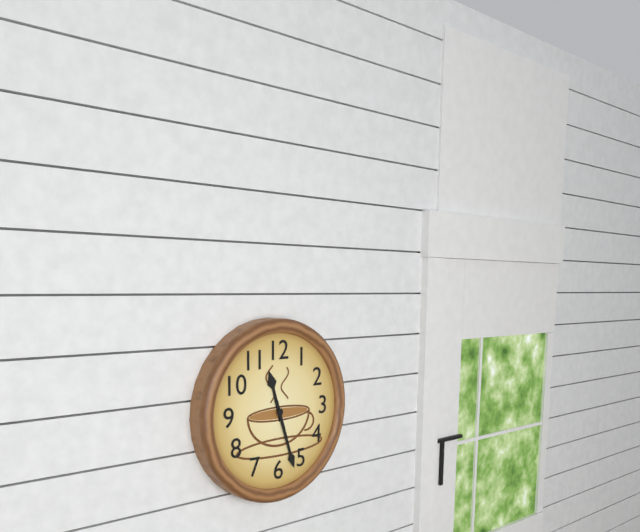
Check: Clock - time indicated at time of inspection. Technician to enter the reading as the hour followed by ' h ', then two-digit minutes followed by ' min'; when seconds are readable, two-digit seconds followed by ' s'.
11 h 27 min
